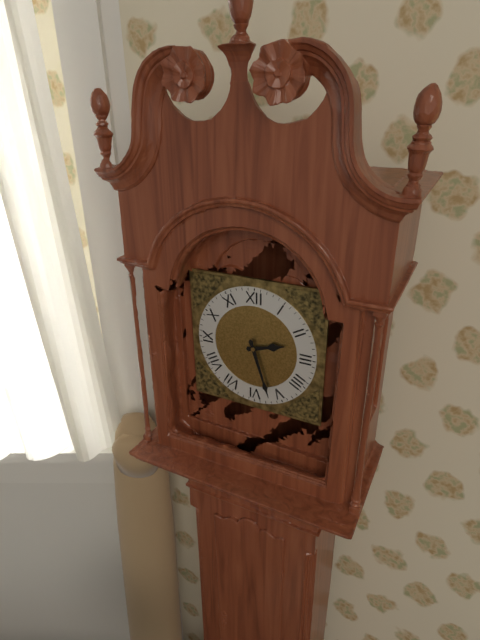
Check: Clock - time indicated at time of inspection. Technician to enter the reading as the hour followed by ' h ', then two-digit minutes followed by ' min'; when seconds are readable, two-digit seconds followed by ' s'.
2 h 27 min
